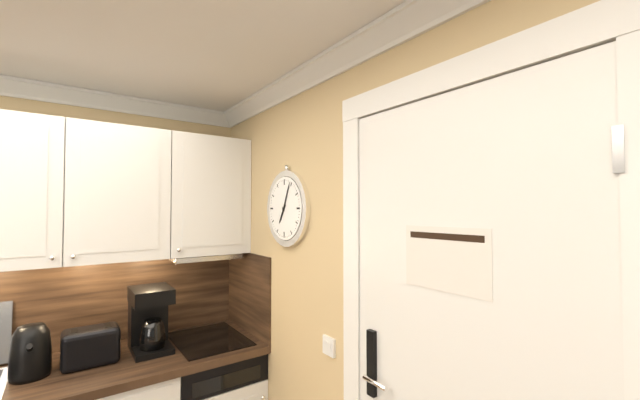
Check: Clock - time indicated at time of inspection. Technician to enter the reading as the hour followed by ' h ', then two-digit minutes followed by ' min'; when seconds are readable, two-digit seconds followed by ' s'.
7 h 04 min
